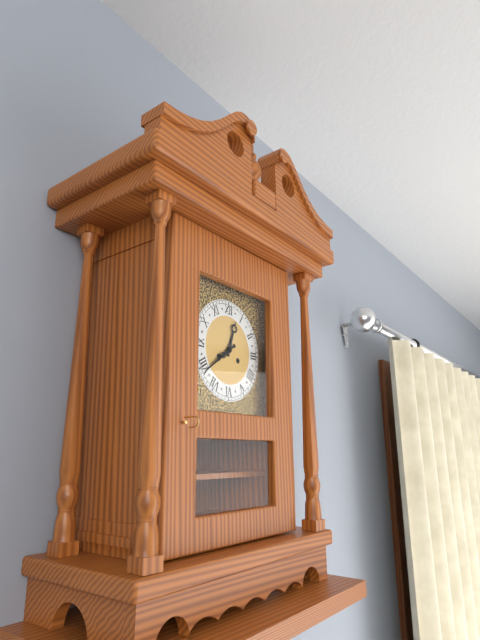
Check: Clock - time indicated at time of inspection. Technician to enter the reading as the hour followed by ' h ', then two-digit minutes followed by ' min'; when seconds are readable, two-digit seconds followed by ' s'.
12 h 39 min
